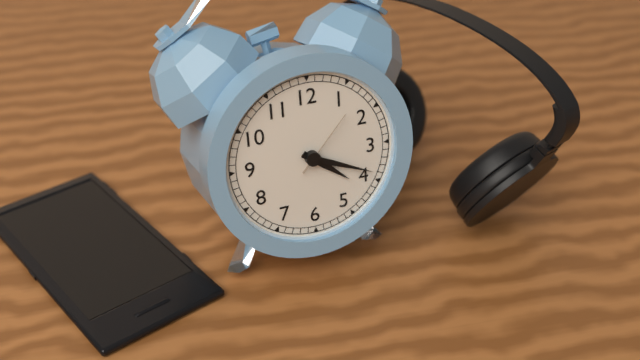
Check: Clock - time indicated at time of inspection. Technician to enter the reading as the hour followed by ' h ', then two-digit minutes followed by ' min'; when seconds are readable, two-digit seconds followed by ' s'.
4 h 19 min 07 s
